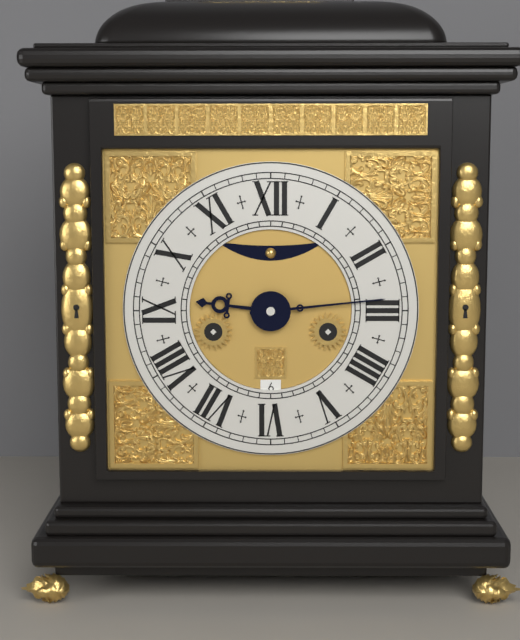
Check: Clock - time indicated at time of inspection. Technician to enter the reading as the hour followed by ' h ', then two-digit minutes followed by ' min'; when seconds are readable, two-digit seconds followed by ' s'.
9 h 14 min
